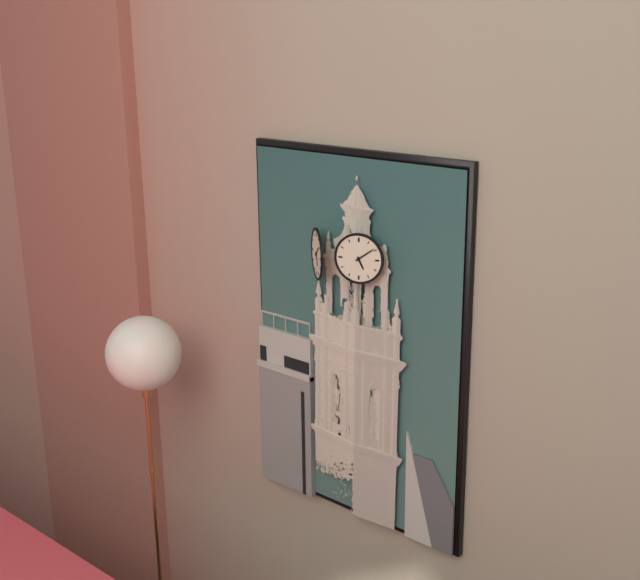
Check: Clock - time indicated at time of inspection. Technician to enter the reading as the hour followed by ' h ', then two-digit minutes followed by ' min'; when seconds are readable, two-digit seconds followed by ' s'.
5 h 09 min
